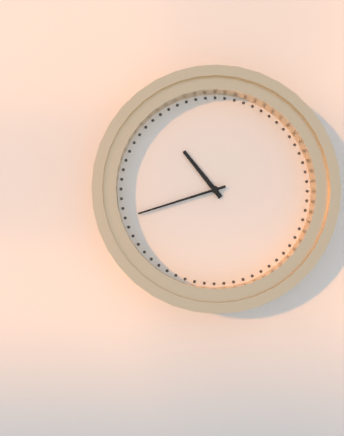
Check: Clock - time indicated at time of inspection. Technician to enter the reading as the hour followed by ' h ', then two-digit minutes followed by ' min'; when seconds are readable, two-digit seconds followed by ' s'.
10 h 42 min
